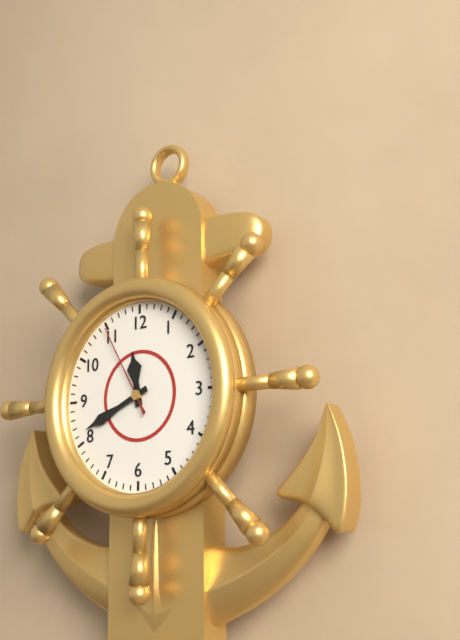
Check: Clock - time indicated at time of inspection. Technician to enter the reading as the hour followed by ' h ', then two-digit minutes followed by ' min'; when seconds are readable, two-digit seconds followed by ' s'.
11 h 41 min 55 s
